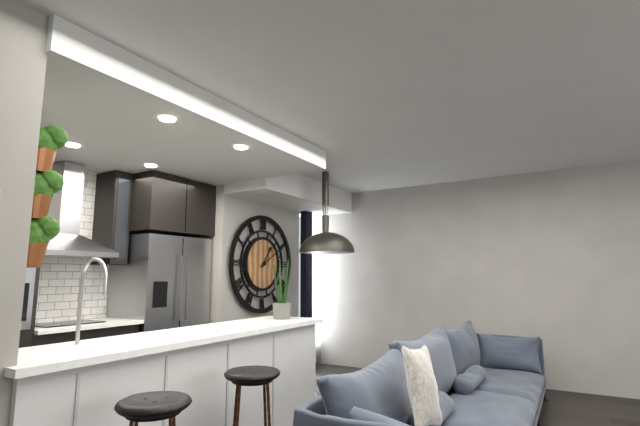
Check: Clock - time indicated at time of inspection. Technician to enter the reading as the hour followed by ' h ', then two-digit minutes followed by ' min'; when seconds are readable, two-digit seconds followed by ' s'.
1 h 10 min
